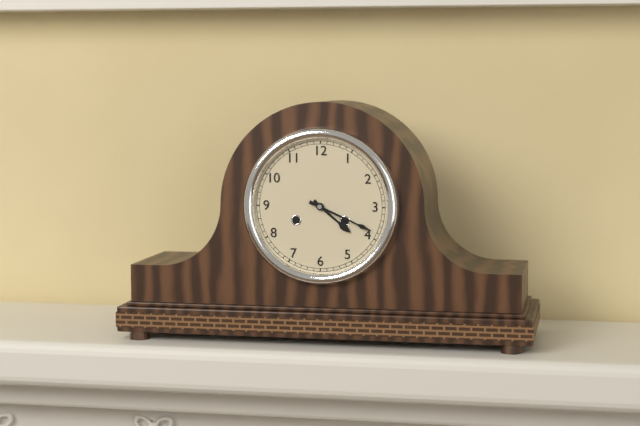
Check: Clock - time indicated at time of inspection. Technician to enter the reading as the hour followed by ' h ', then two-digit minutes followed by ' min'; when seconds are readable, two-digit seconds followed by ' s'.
4 h 19 min
